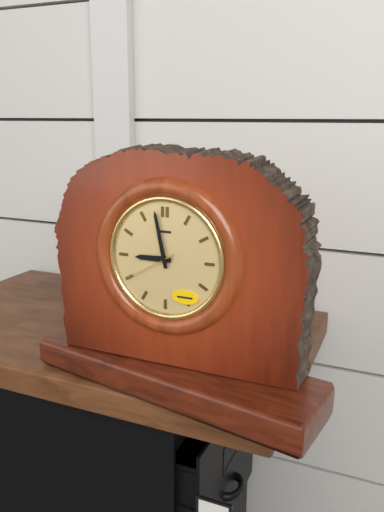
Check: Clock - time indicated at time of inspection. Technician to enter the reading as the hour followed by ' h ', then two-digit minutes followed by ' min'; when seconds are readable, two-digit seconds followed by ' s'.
8 h 58 min 40 s
